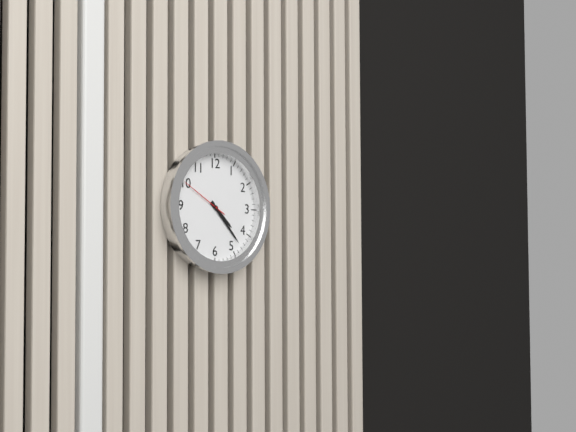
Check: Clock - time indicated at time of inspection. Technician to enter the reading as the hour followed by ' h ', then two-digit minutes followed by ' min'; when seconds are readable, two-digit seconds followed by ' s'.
4 h 23 min 50 s
